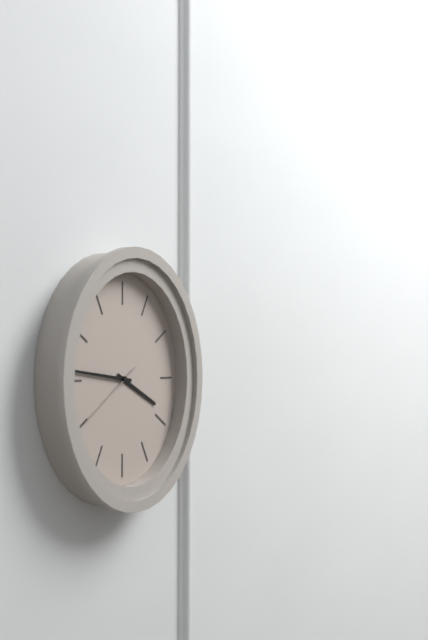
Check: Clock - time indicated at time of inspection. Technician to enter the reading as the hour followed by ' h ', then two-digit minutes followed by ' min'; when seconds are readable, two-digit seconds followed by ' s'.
3 h 46 min 40 s
